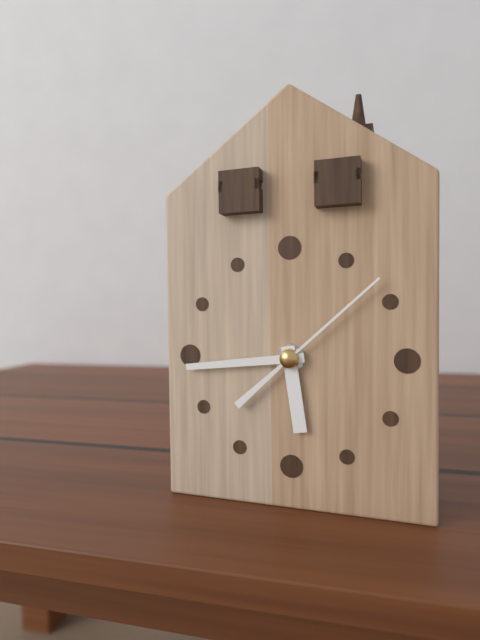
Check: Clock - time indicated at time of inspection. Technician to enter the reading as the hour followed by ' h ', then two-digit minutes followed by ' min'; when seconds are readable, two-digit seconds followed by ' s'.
5 h 44 min 08 s
